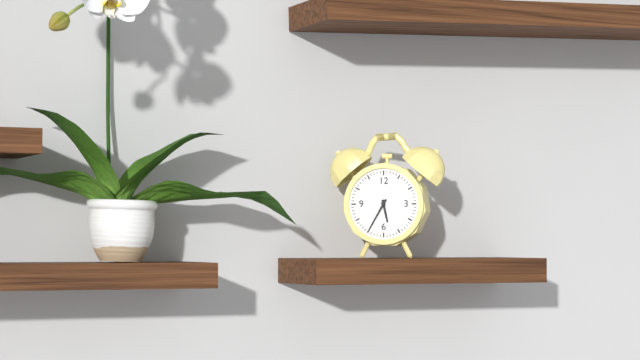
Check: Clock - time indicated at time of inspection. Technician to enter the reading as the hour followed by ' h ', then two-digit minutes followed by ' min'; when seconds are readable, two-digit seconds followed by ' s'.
5 h 35 min
